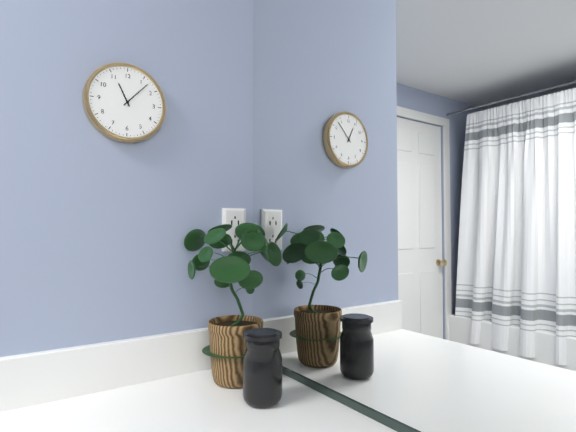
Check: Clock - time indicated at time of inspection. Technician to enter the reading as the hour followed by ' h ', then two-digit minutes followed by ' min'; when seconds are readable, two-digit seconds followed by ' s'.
11 h 07 min
